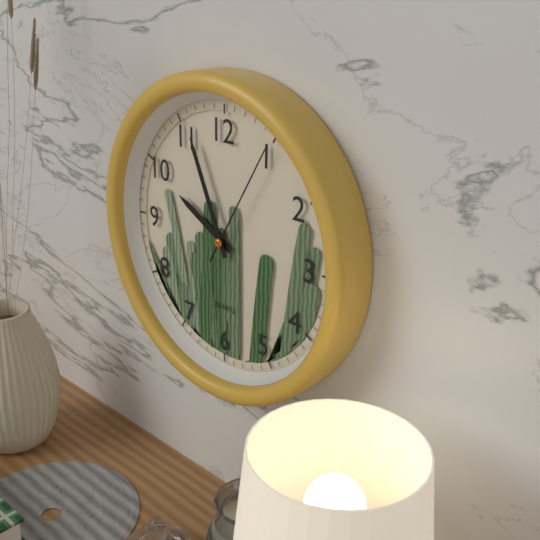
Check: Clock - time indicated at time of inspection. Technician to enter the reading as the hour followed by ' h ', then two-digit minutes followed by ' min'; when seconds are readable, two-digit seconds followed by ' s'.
9 h 56 min 05 s
